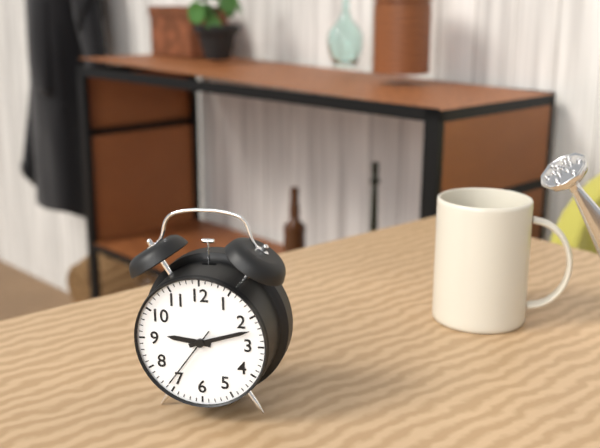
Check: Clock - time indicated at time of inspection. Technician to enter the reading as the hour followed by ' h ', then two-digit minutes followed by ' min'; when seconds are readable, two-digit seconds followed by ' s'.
9 h 12 min 36 s
